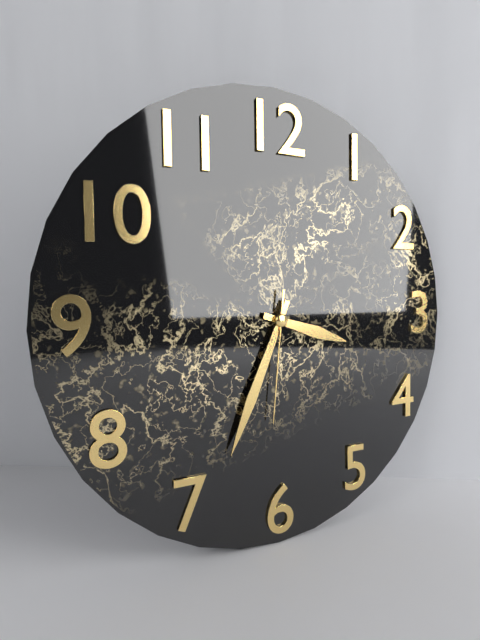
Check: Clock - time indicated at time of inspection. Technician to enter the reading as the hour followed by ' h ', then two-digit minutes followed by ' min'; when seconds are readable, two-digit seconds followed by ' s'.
3 h 34 min 31 s
